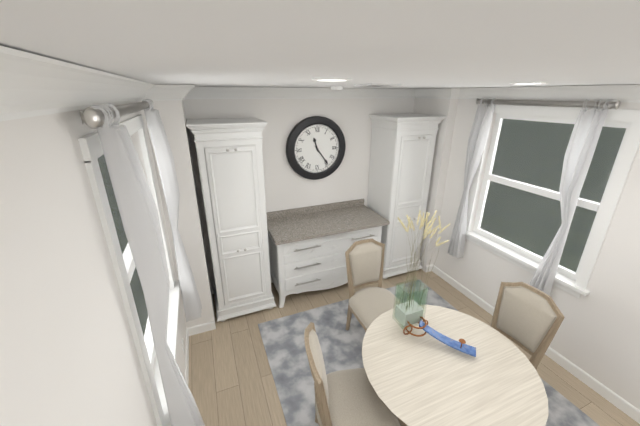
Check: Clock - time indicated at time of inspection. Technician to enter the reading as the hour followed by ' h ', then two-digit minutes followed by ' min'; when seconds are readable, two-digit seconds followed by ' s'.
11 h 24 min
